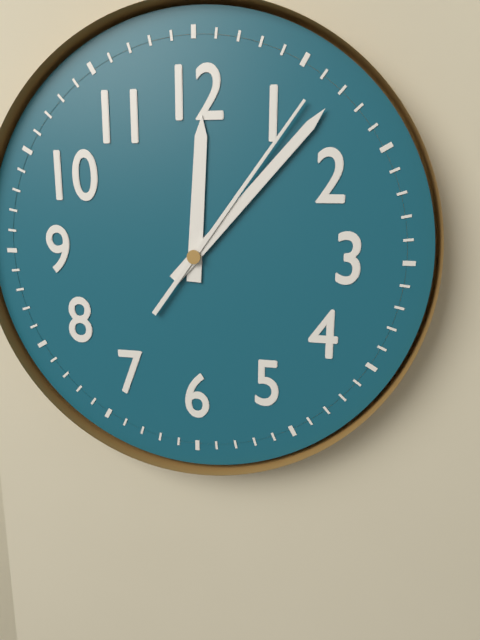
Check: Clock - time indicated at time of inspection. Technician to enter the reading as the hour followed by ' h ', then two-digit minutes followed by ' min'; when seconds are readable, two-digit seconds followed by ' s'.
12 h 07 min 06 s
